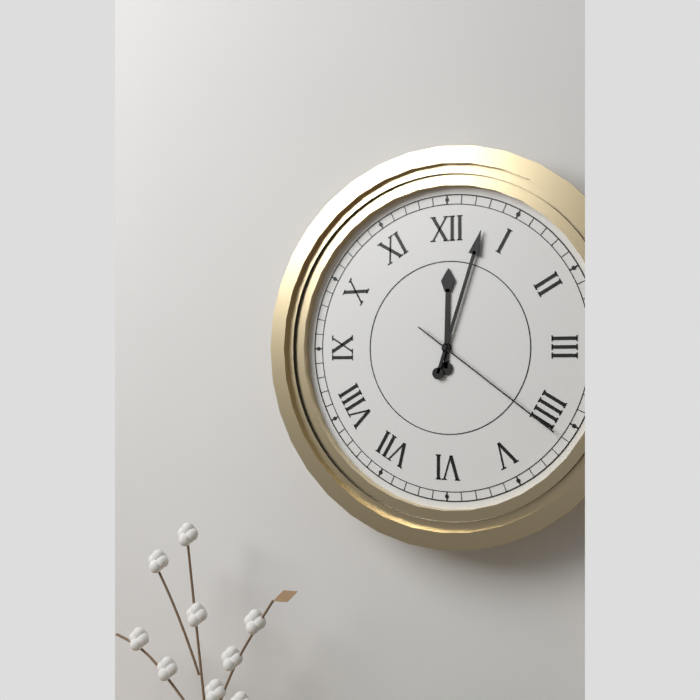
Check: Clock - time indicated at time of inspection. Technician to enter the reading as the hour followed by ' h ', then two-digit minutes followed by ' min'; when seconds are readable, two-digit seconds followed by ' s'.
12 h 03 min 21 s
